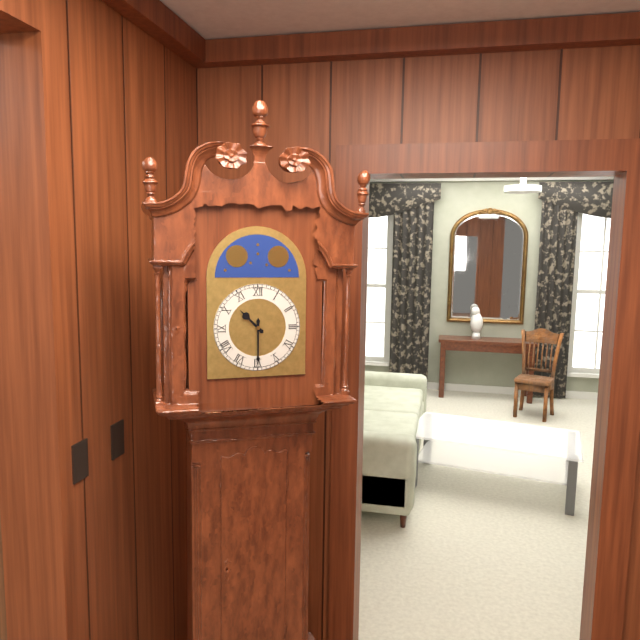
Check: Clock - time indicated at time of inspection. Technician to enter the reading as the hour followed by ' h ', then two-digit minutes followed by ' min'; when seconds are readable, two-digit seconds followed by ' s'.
10 h 30 min
